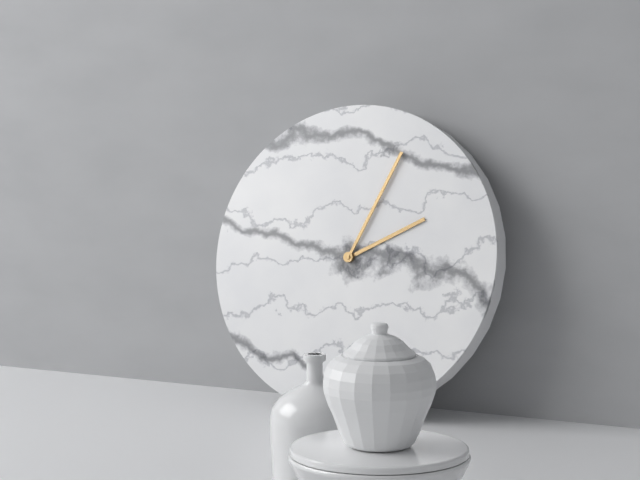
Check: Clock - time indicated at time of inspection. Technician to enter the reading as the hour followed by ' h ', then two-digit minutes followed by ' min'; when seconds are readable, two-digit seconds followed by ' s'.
2 h 04 min
